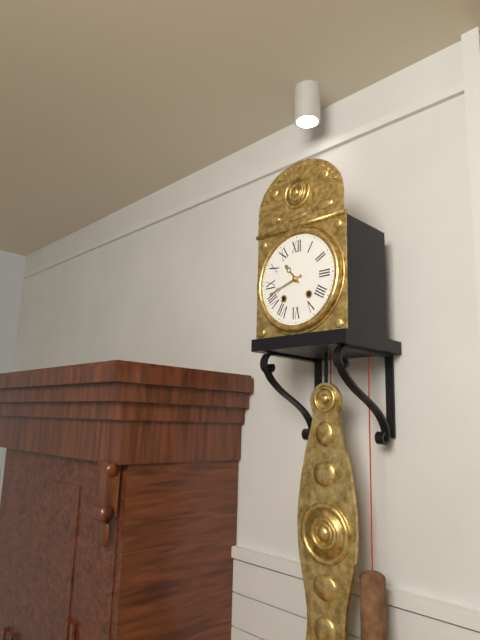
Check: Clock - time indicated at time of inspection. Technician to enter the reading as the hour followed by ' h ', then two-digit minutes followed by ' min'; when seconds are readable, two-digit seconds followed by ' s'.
10 h 42 min
